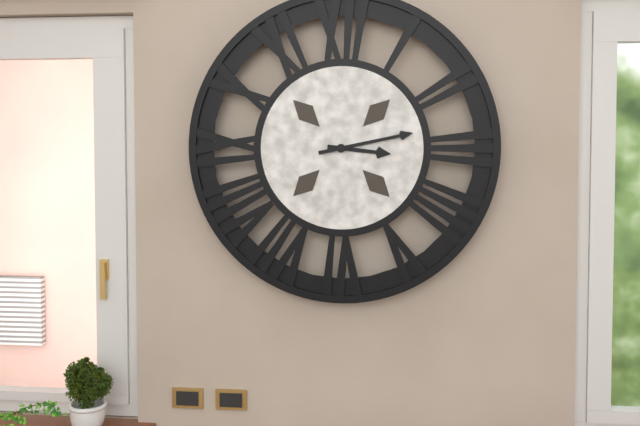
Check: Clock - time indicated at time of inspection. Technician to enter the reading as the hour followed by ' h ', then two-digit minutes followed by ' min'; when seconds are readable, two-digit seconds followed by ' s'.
3 h 13 min
